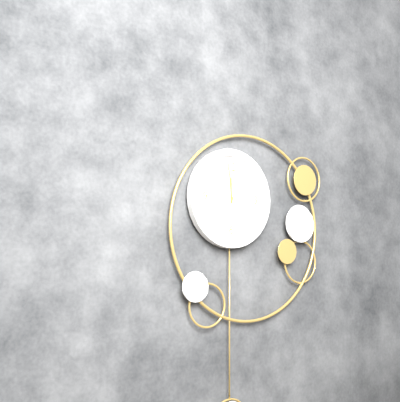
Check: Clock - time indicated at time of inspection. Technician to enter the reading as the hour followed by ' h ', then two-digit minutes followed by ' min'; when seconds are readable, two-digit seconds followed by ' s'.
11 h 59 min
